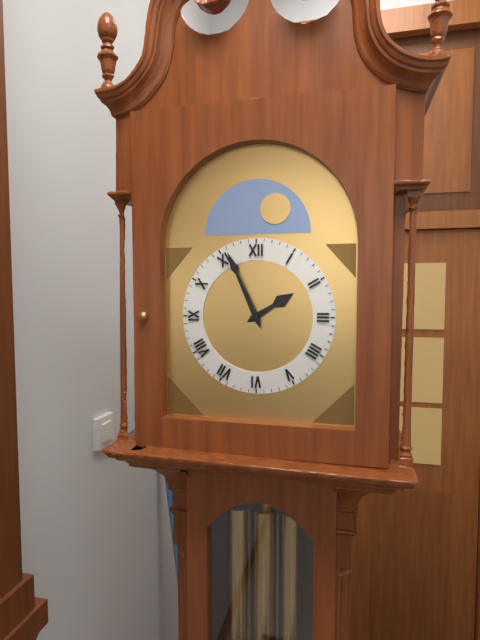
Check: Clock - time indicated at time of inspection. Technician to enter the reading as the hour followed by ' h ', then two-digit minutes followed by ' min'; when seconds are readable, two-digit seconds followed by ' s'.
1 h 56 min
